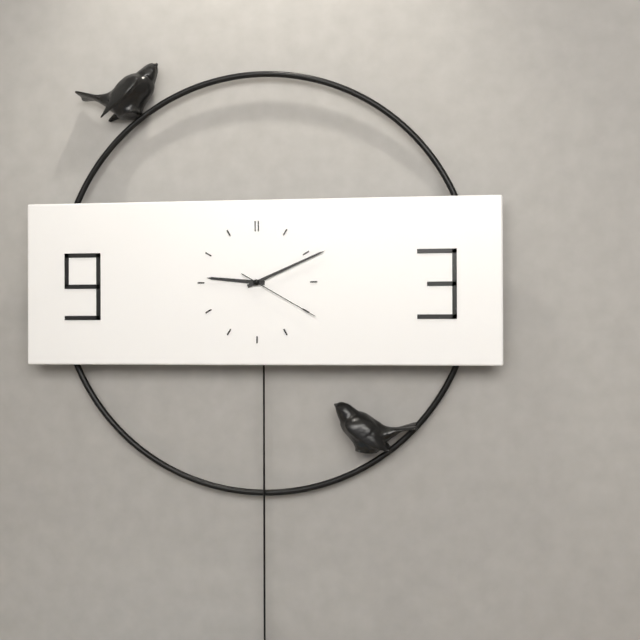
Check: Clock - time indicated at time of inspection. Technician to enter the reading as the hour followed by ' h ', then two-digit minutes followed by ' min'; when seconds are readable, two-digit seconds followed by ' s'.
9 h 11 min 20 s
